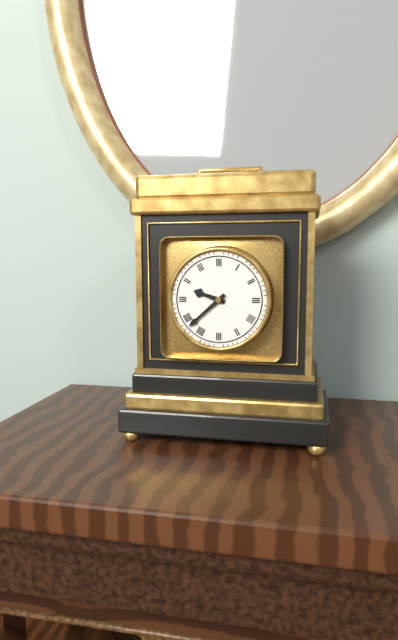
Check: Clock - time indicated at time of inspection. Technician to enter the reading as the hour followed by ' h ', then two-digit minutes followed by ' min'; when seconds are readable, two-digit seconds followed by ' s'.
9 h 38 min
